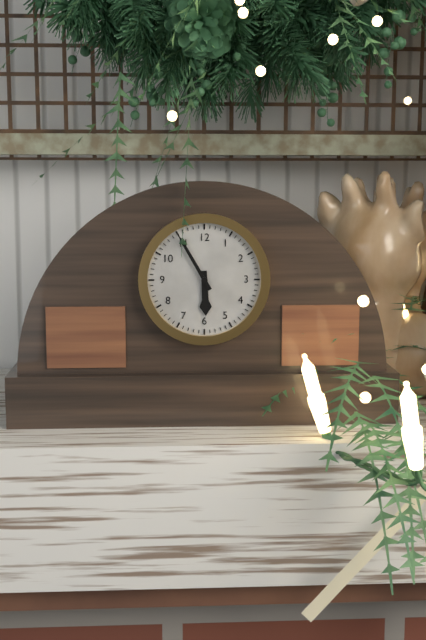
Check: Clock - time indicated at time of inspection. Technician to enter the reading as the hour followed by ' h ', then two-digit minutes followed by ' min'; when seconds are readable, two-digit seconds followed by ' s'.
5 h 55 min
